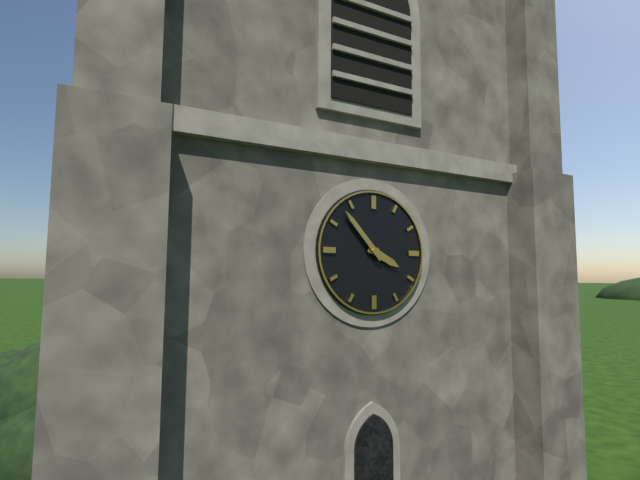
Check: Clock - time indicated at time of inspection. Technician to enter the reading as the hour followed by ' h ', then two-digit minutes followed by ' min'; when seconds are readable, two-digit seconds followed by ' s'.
3 h 53 min
